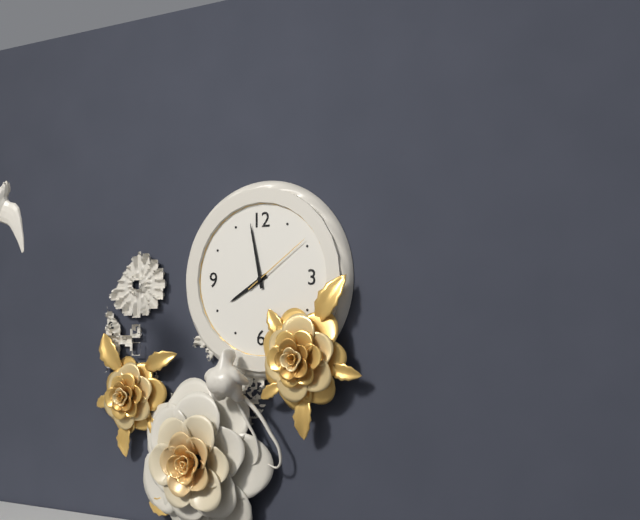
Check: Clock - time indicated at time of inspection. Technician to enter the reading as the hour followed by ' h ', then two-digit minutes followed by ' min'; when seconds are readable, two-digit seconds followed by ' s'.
7 h 58 min 09 s
